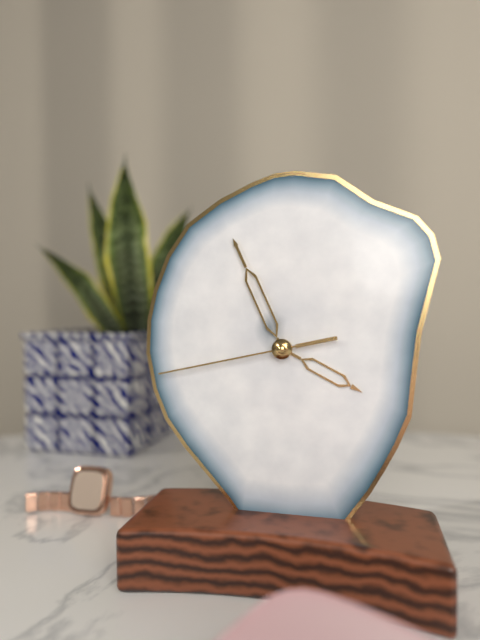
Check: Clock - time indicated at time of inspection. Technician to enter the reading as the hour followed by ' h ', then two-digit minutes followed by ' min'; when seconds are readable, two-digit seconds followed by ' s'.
3 h 56 min 43 s
